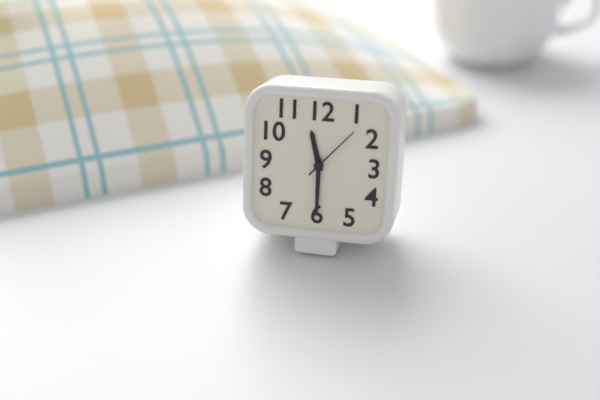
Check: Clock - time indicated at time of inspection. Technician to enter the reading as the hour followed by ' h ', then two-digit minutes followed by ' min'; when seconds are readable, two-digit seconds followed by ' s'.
11 h 30 min 07 s
